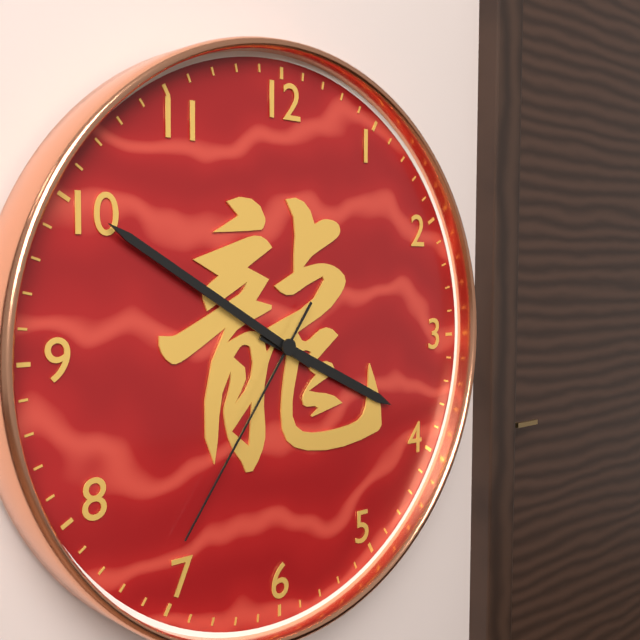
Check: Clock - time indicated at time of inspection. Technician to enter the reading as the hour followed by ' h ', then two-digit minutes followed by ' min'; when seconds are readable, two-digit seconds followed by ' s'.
3 h 50 min 36 s
